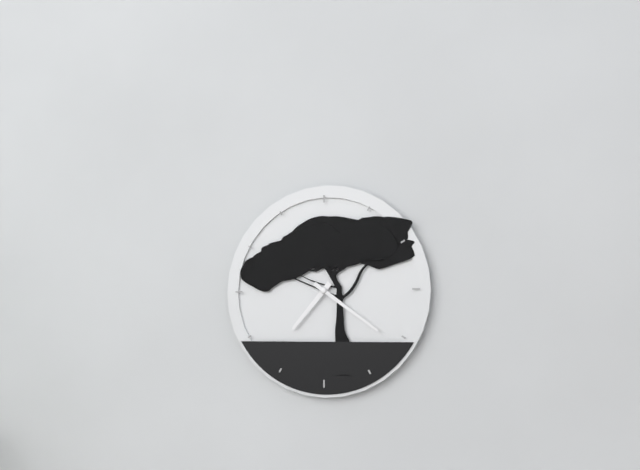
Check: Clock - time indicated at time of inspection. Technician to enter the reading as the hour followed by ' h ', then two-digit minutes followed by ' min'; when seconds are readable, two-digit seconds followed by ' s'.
7 h 21 min
